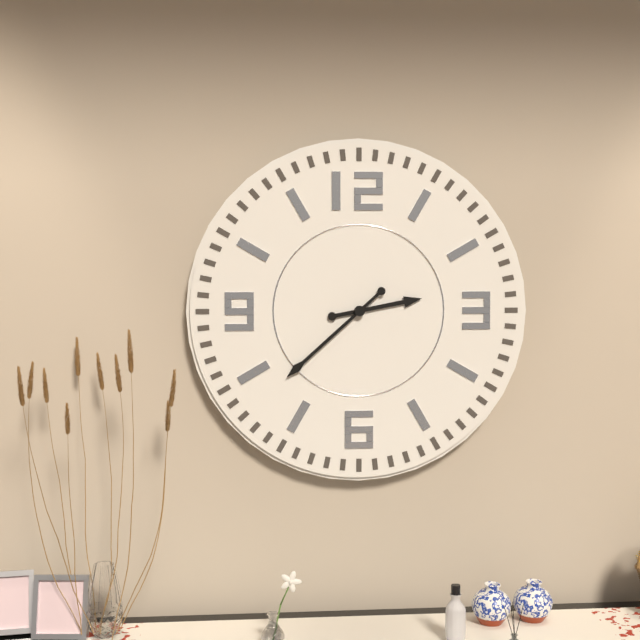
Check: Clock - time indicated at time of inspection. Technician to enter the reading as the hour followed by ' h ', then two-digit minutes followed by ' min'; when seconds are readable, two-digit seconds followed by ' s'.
2 h 38 min
